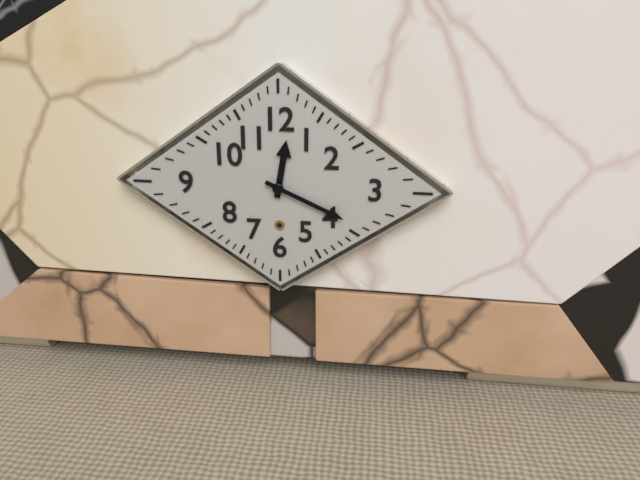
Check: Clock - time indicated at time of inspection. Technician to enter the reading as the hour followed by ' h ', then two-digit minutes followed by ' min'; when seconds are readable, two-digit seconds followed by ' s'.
12 h 19 min
